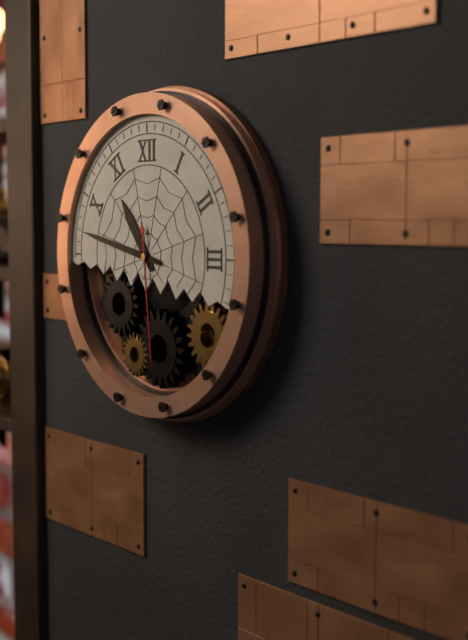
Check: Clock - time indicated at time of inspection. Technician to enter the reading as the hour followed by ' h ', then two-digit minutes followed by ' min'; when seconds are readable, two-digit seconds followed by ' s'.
10 h 47 min 29 s
